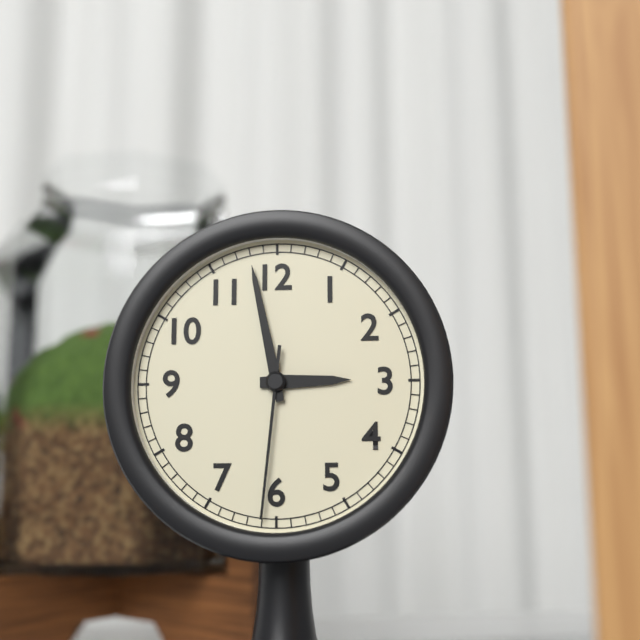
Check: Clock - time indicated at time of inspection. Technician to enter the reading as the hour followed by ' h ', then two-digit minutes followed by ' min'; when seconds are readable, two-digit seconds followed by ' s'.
2 h 58 min 31 s
